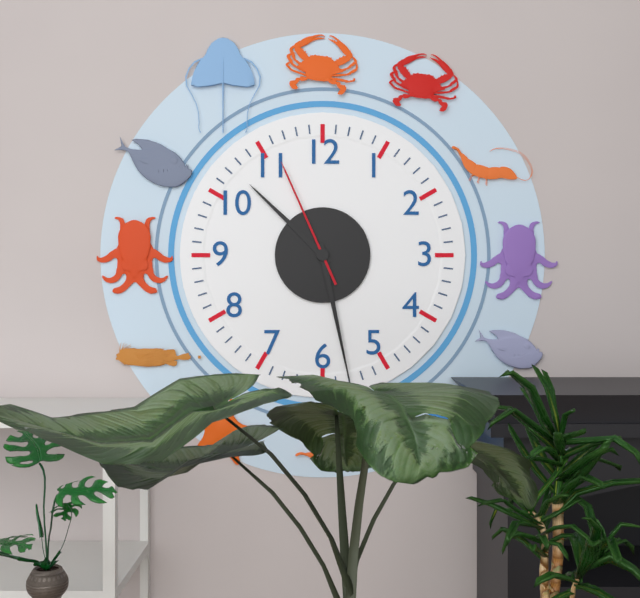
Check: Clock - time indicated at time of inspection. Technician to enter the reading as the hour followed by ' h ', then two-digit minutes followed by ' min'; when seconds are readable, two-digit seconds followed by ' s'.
10 h 28 min 56 s
